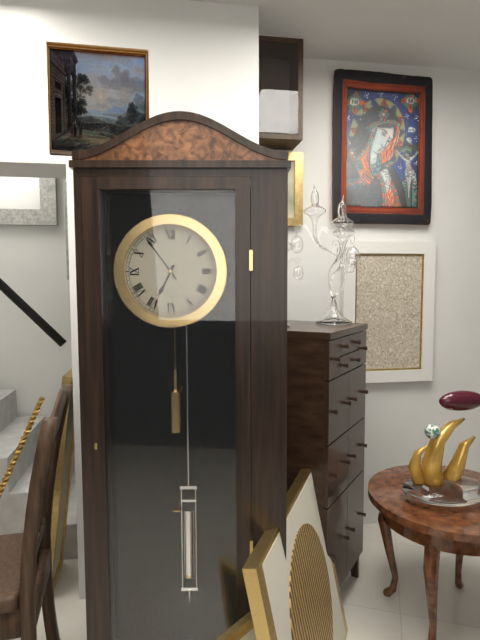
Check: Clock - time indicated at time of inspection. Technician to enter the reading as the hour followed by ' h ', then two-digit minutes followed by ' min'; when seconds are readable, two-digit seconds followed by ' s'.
6 h 54 min
